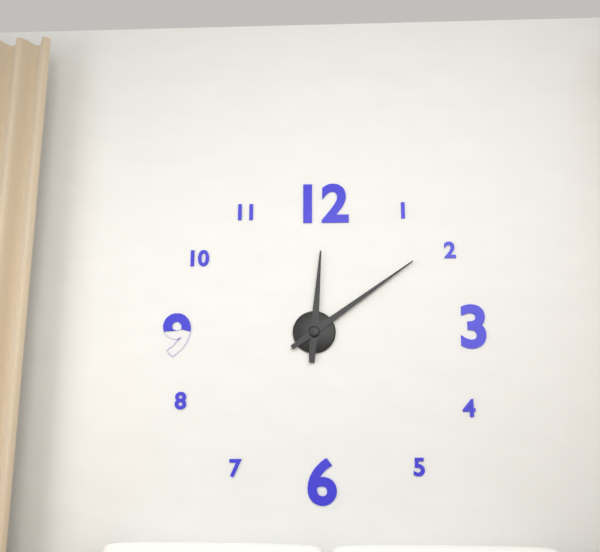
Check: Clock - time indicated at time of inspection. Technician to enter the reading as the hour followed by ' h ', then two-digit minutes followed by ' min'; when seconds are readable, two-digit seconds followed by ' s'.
12 h 09 min
